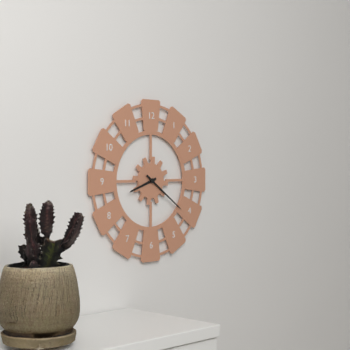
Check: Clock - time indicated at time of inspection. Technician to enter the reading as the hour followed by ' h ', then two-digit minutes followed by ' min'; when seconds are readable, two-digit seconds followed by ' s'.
8 h 21 min
